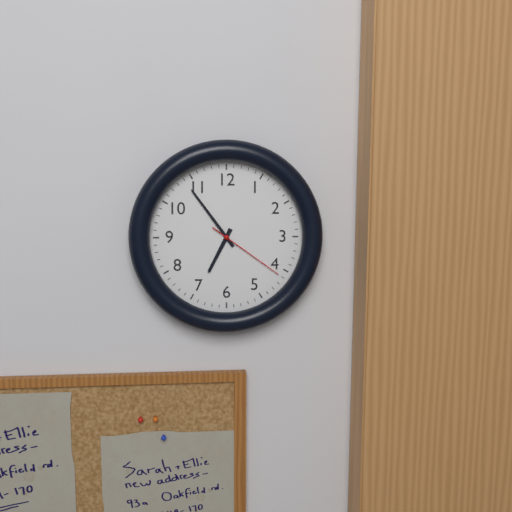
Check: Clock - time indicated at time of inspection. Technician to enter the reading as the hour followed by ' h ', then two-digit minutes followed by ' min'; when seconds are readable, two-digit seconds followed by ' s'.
6 h 54 min 21 s
